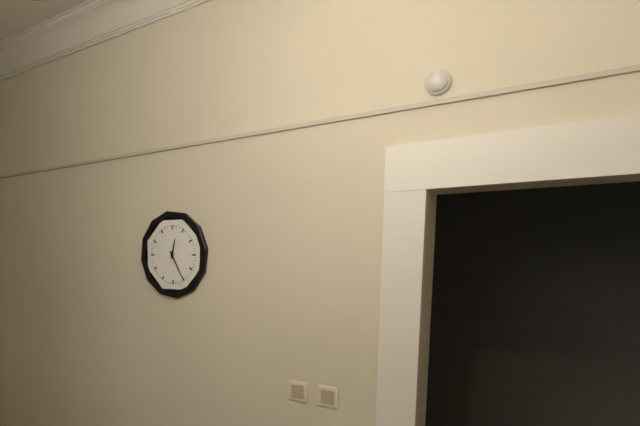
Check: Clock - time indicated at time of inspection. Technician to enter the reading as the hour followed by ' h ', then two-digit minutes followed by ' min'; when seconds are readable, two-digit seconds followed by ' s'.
12 h 25 min
